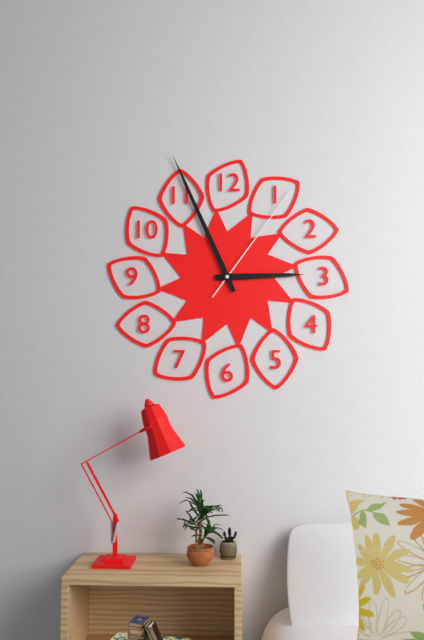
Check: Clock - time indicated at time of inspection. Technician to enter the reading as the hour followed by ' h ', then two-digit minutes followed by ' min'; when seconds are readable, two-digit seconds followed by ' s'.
2 h 56 min 06 s
